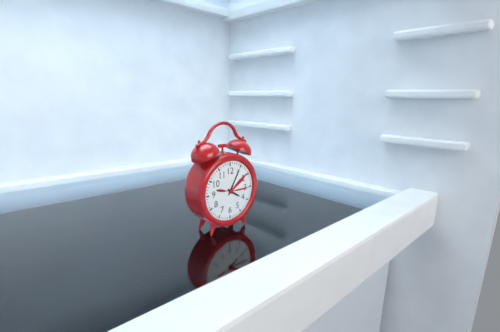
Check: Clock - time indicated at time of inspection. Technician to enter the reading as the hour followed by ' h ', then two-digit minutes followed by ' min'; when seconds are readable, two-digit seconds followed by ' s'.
4 h 05 min
